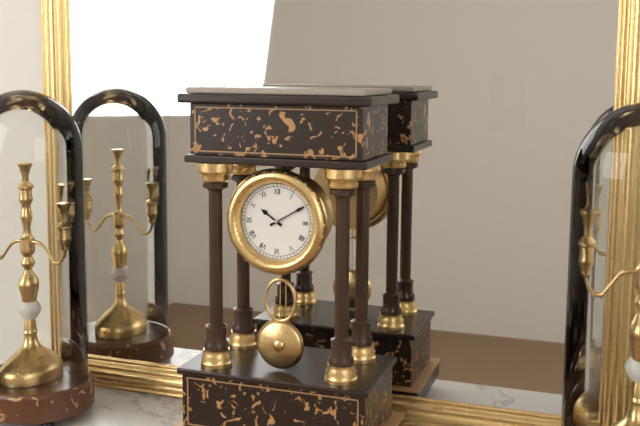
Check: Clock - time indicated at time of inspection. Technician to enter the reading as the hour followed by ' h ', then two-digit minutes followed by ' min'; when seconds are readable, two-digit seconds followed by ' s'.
10 h 10 min
